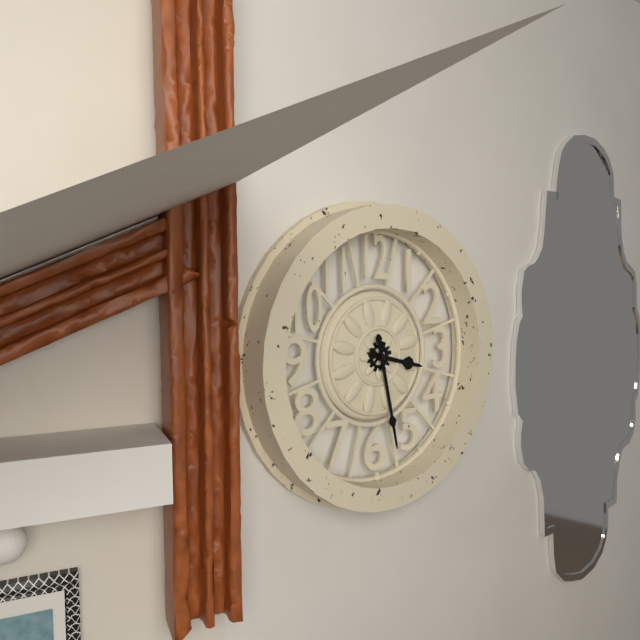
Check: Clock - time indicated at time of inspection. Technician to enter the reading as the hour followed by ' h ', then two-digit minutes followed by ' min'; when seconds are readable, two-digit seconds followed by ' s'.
3 h 28 min
